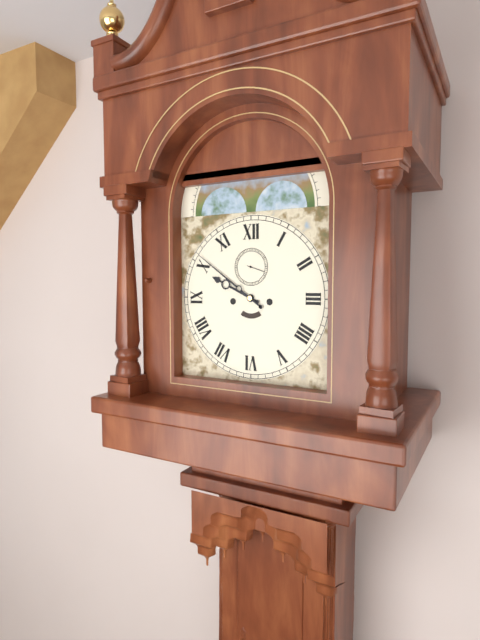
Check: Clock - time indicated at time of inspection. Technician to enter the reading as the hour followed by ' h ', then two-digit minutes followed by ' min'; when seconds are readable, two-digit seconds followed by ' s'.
9 h 51 min
